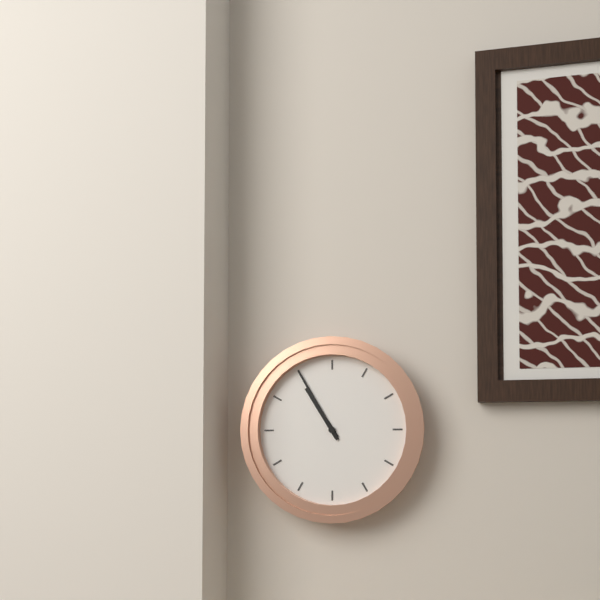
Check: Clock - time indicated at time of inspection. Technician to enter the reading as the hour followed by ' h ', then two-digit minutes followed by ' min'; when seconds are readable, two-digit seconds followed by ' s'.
10 h 55 min
